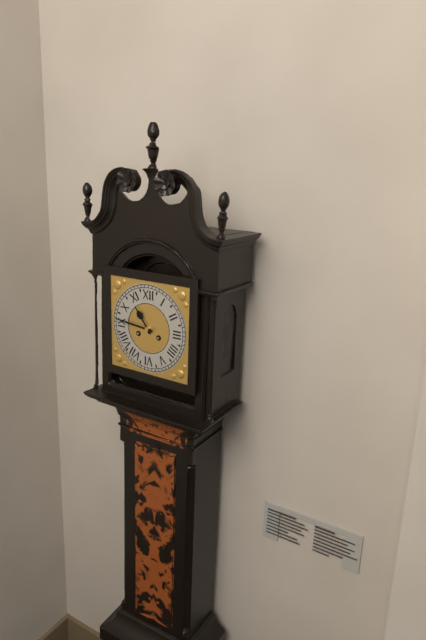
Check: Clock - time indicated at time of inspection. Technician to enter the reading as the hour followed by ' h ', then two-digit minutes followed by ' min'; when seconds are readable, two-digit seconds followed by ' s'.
10 h 46 min
